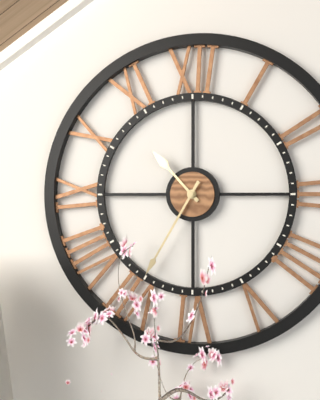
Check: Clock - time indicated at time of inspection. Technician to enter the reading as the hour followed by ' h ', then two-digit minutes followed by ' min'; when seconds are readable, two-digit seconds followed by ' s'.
10 h 35 min
